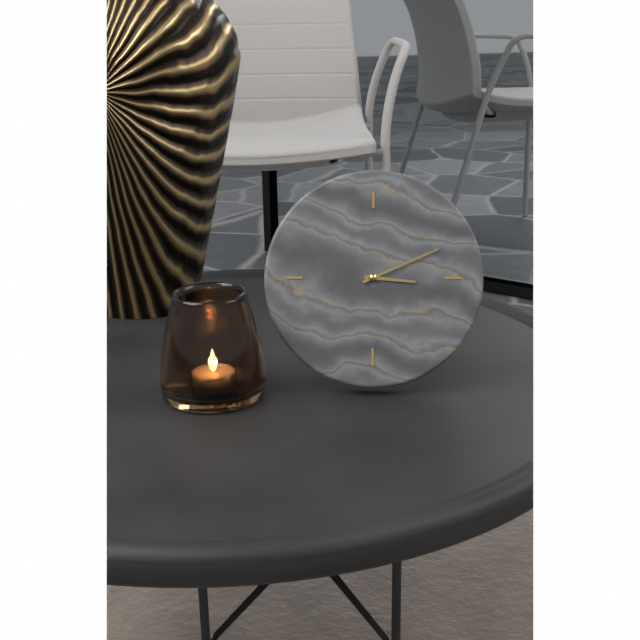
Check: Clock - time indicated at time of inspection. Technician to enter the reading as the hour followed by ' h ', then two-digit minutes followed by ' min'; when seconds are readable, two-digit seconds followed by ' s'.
3 h 11 min
